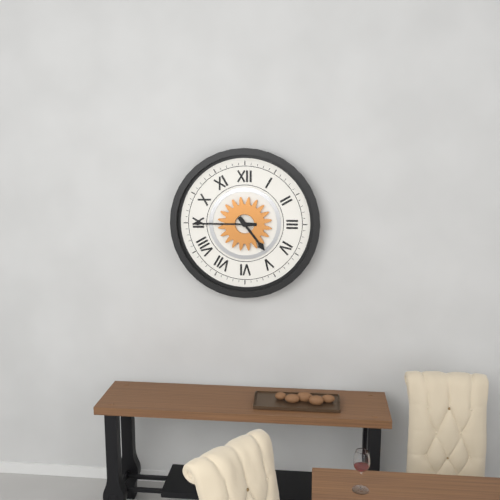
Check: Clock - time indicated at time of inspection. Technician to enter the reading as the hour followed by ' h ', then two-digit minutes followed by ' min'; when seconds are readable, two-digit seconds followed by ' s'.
4 h 45 min
